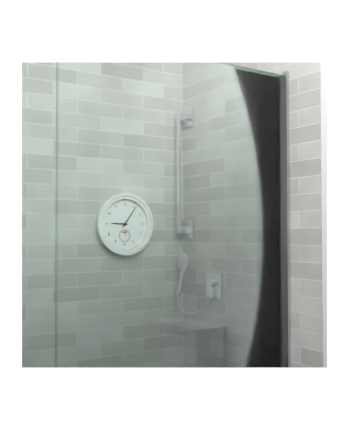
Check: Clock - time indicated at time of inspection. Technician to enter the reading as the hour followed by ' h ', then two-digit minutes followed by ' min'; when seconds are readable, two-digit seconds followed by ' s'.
9 h 06 min
